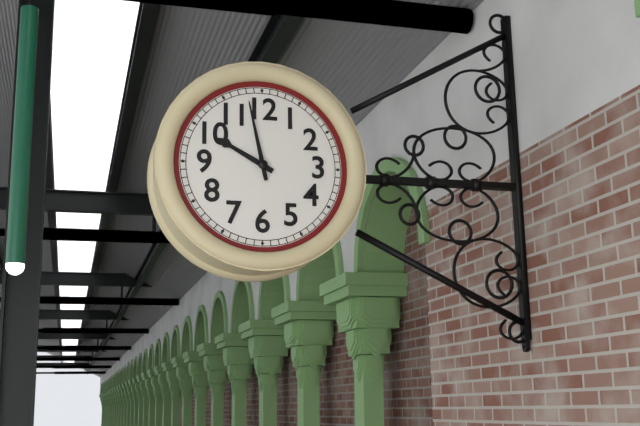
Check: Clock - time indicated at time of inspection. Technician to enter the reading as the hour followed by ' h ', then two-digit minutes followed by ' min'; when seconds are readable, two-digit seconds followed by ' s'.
9 h 58 min
